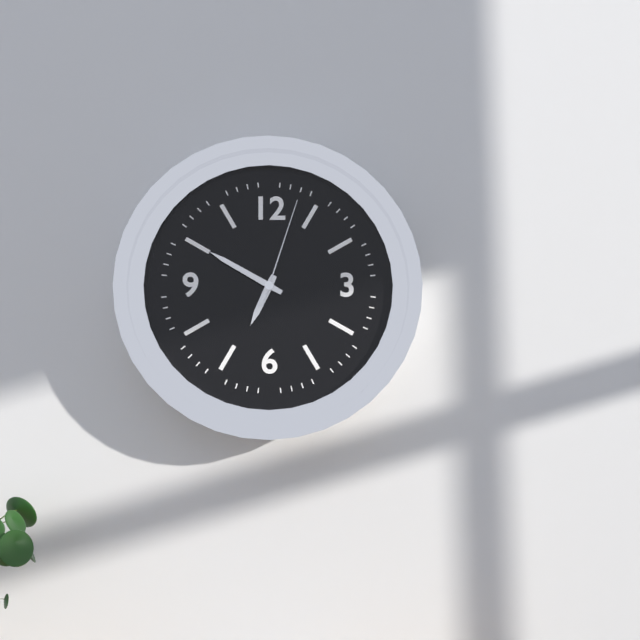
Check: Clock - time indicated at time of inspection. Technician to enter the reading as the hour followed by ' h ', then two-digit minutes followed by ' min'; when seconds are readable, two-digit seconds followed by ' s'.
6 h 50 min 03 s
